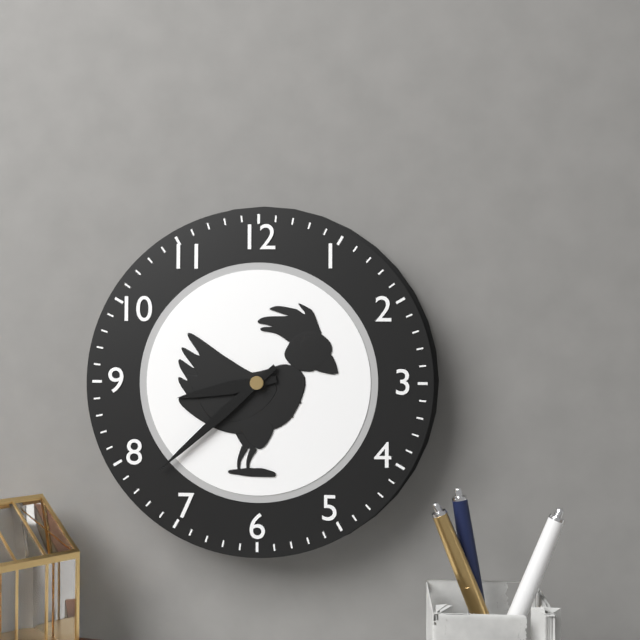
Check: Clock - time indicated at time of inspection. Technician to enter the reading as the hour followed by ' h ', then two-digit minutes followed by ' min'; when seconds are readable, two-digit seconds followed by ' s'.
8 h 38 min
